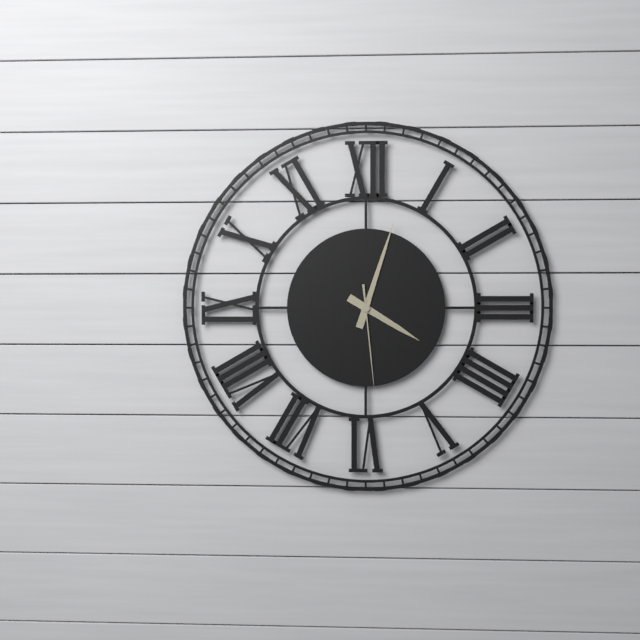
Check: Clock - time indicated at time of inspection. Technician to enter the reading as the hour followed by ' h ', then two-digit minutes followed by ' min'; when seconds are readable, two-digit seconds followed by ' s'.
4 h 03 min 29 s
